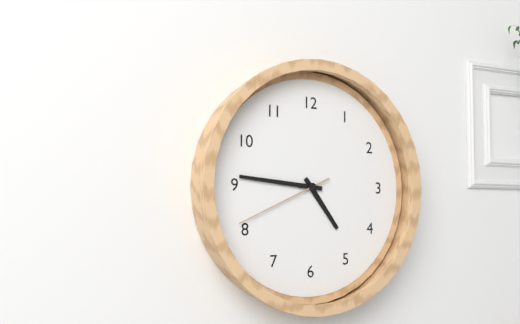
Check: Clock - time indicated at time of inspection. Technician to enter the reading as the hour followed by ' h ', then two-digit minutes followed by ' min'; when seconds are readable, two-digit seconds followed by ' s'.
4 h 46 min 41 s
